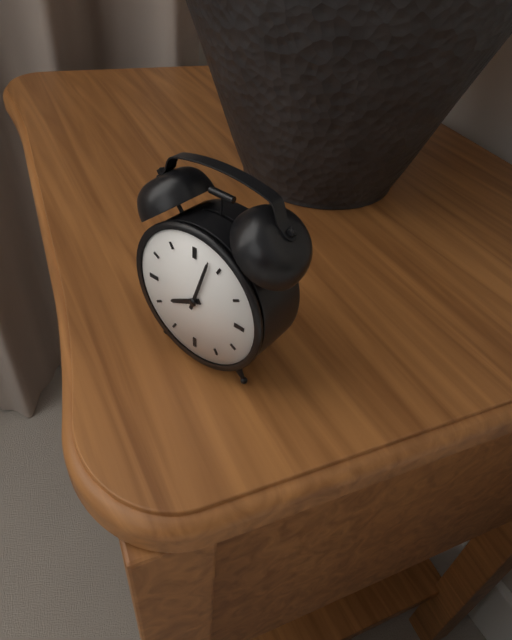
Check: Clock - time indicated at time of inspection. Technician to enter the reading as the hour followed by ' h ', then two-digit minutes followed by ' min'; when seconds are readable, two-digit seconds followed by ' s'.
8 h 03 min
